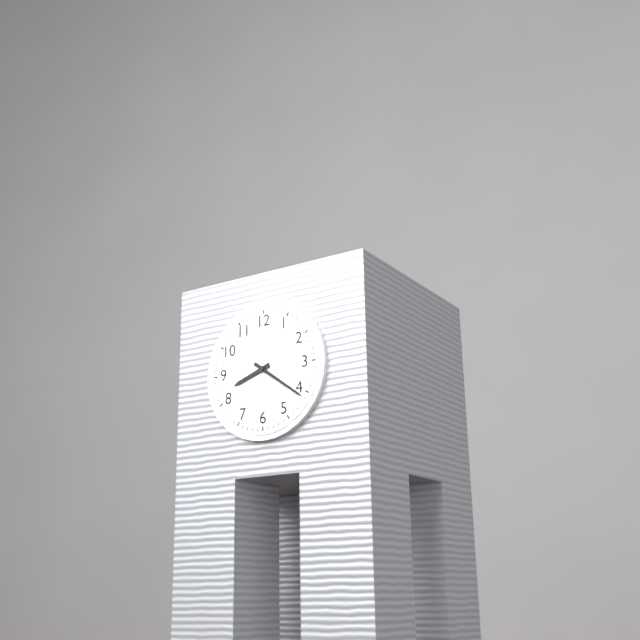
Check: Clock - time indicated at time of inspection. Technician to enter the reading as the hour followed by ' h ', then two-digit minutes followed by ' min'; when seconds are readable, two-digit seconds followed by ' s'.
8 h 21 min
